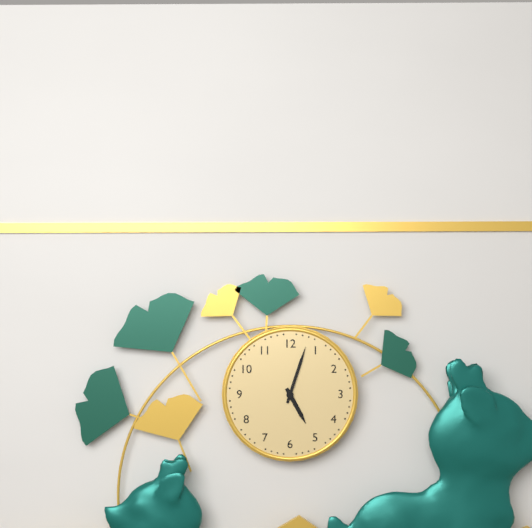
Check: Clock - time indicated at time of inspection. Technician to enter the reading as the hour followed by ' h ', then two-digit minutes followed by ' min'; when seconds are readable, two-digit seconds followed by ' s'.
5 h 03 min
